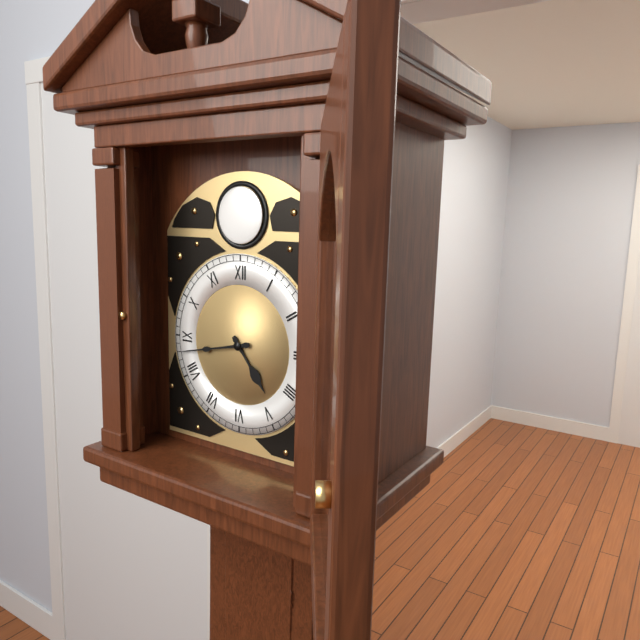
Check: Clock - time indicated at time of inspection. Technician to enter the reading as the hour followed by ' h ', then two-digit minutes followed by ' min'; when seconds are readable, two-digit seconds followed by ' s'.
4 h 43 min
